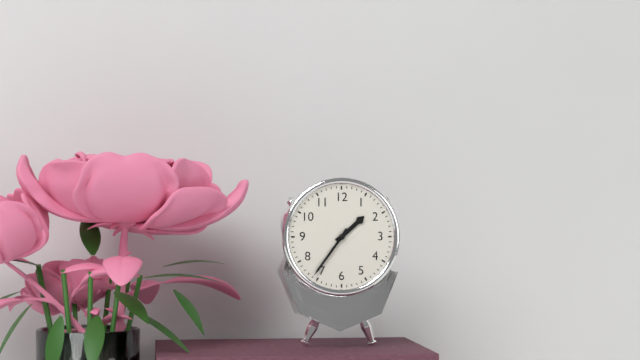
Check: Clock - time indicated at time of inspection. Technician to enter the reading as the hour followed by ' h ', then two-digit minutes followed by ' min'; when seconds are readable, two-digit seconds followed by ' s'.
1 h 36 min
